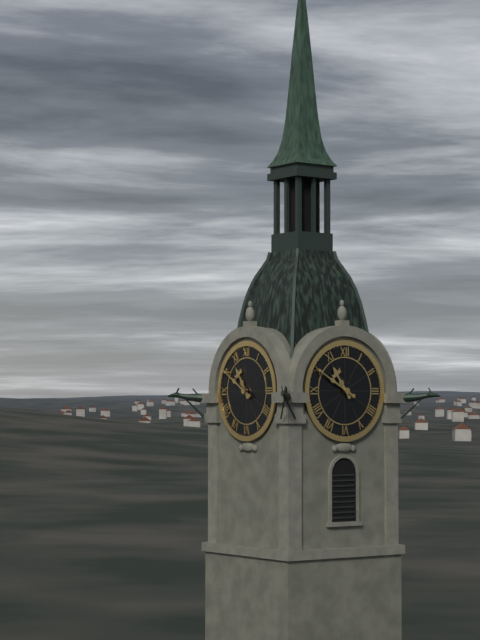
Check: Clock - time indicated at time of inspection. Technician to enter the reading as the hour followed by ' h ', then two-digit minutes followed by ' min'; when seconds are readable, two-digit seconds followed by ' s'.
10 h 50 min
